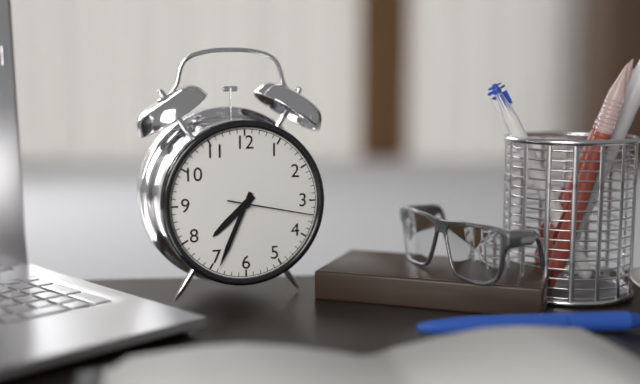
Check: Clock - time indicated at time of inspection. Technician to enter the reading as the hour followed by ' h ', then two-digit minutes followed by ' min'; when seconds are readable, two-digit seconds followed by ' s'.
7 h 34 min 17 s
